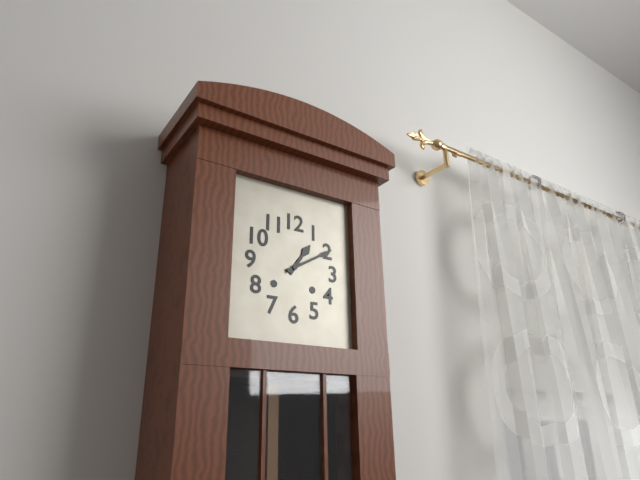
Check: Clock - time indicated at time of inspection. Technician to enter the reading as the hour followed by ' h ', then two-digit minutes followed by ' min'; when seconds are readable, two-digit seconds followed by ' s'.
1 h 10 min
